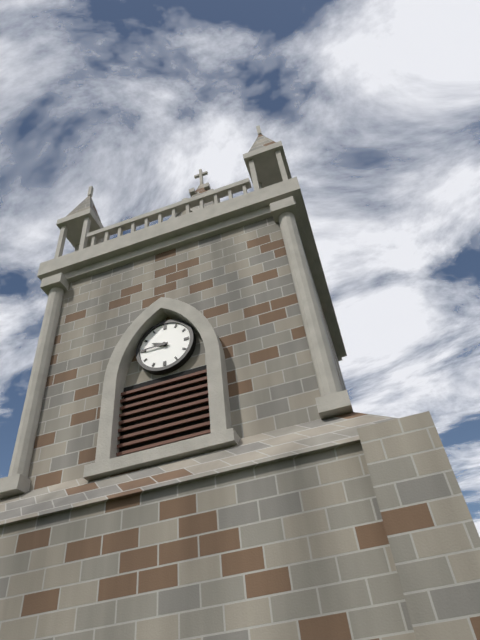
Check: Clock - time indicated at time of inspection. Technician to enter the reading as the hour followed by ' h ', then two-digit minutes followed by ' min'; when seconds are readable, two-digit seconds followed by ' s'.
9 h 45 min
